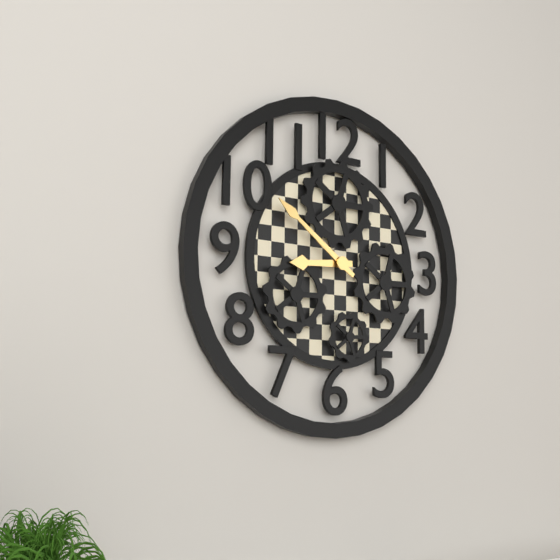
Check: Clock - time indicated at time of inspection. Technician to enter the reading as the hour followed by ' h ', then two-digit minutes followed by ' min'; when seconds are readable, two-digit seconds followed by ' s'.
8 h 51 min
